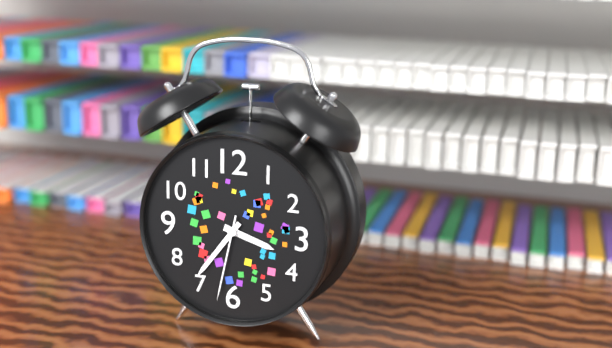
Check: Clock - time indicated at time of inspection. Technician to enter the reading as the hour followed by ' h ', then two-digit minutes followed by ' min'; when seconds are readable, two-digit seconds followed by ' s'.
3 h 36 min 32 s
